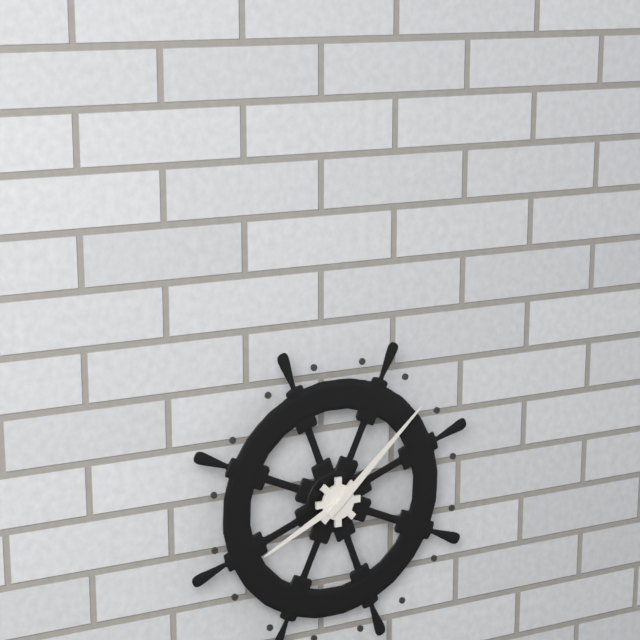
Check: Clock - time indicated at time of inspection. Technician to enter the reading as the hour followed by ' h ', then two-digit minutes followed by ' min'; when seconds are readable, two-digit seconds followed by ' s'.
8 h 08 min
